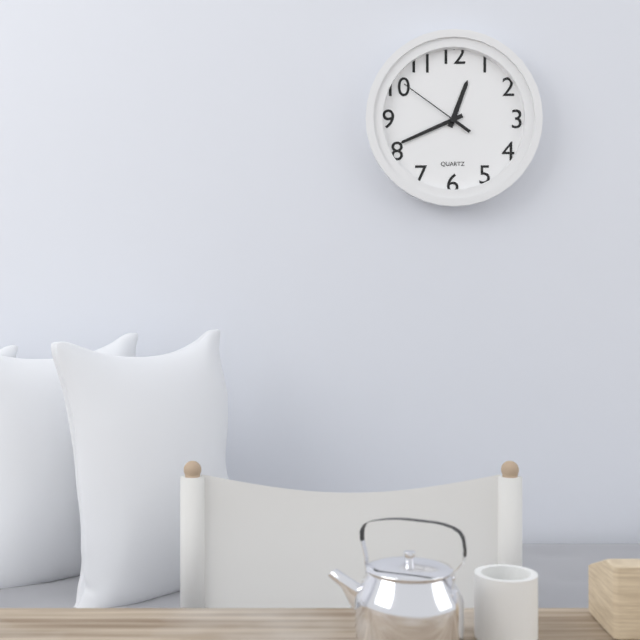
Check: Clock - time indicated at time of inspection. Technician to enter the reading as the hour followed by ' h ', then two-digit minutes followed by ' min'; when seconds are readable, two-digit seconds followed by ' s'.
12 h 41 min 51 s
